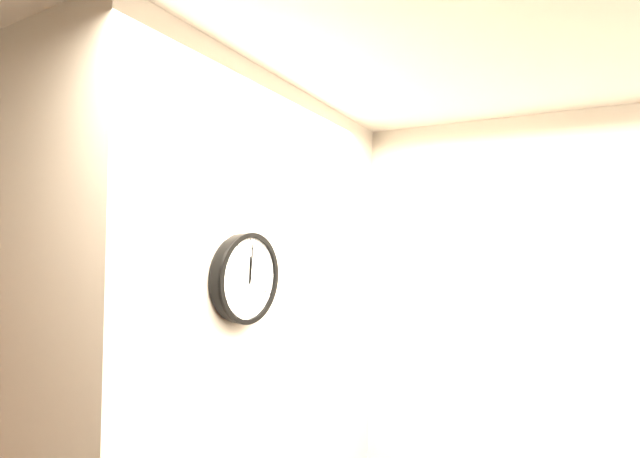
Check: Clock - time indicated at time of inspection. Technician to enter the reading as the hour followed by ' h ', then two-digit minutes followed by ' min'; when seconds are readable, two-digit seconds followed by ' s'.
12 h 01 min
